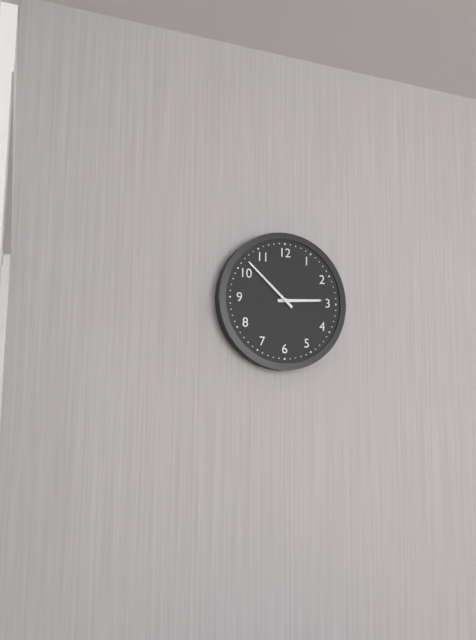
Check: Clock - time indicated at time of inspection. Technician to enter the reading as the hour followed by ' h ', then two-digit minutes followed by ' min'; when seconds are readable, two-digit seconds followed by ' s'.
2 h 52 min
